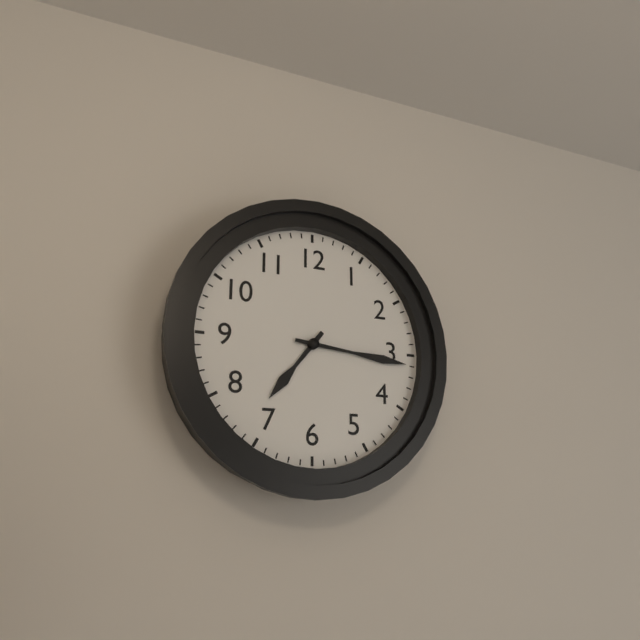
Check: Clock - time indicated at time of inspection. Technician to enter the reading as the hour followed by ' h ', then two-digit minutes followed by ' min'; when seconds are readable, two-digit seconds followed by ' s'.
7 h 16 min
